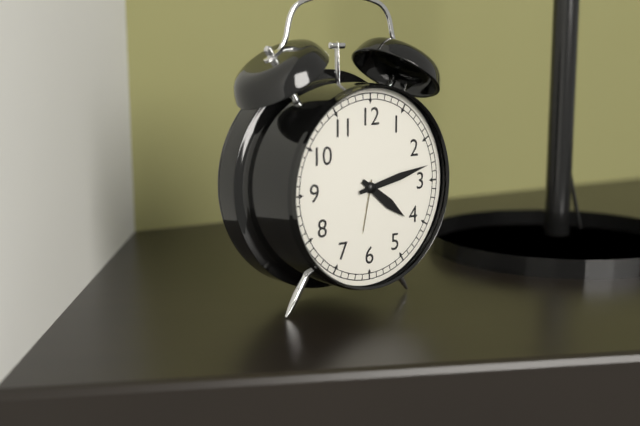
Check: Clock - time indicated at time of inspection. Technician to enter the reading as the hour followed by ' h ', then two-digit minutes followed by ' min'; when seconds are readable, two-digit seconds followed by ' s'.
4 h 13 min
